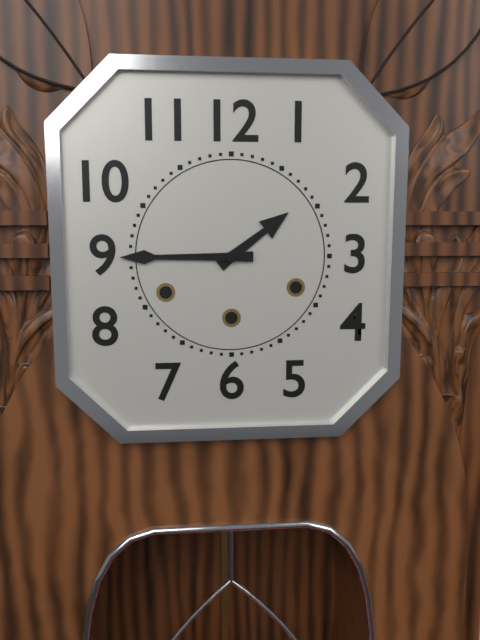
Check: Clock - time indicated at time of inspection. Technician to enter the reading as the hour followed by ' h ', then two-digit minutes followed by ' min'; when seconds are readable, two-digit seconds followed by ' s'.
1 h 45 min
